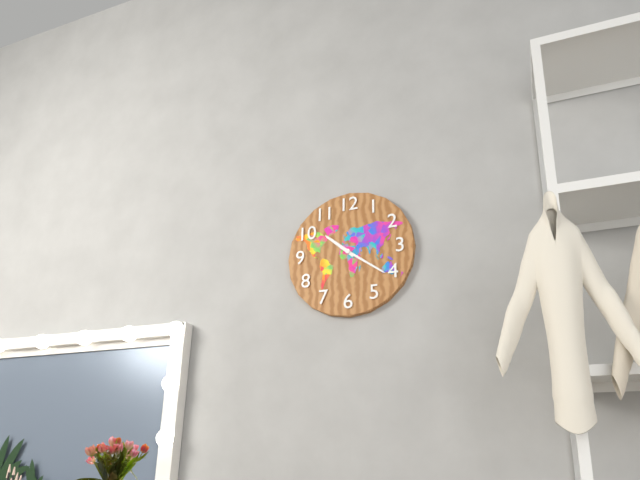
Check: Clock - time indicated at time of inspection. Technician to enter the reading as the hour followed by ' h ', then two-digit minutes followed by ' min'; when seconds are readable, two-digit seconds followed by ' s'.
10 h 21 min
